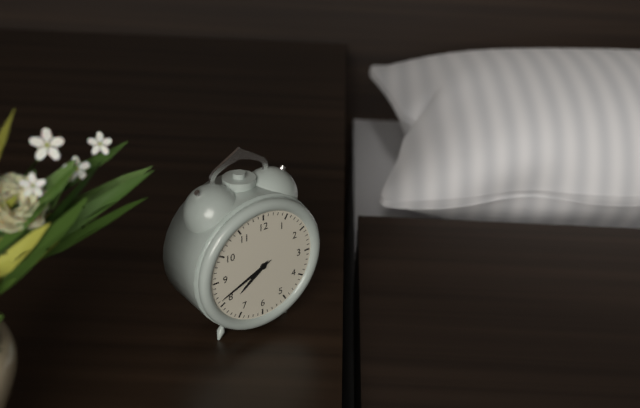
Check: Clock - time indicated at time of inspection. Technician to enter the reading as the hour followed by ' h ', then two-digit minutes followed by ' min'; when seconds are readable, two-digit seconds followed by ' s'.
7 h 41 min
